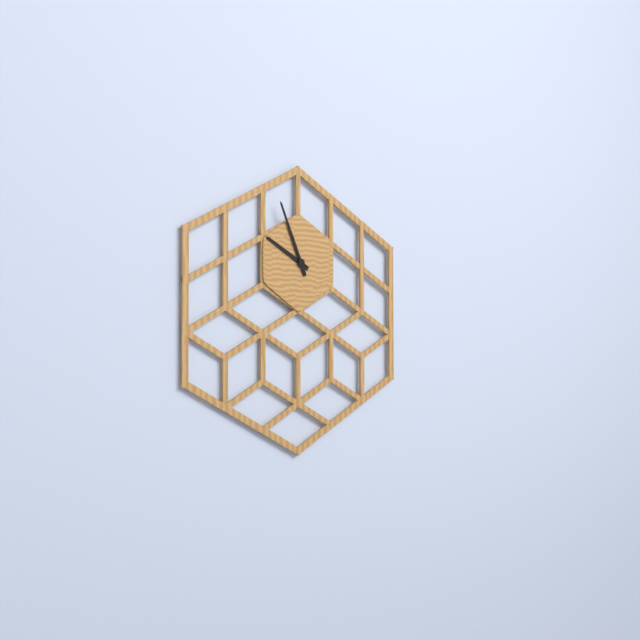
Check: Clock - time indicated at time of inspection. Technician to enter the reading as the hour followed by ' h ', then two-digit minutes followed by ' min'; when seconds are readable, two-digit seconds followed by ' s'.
9 h 56 min
